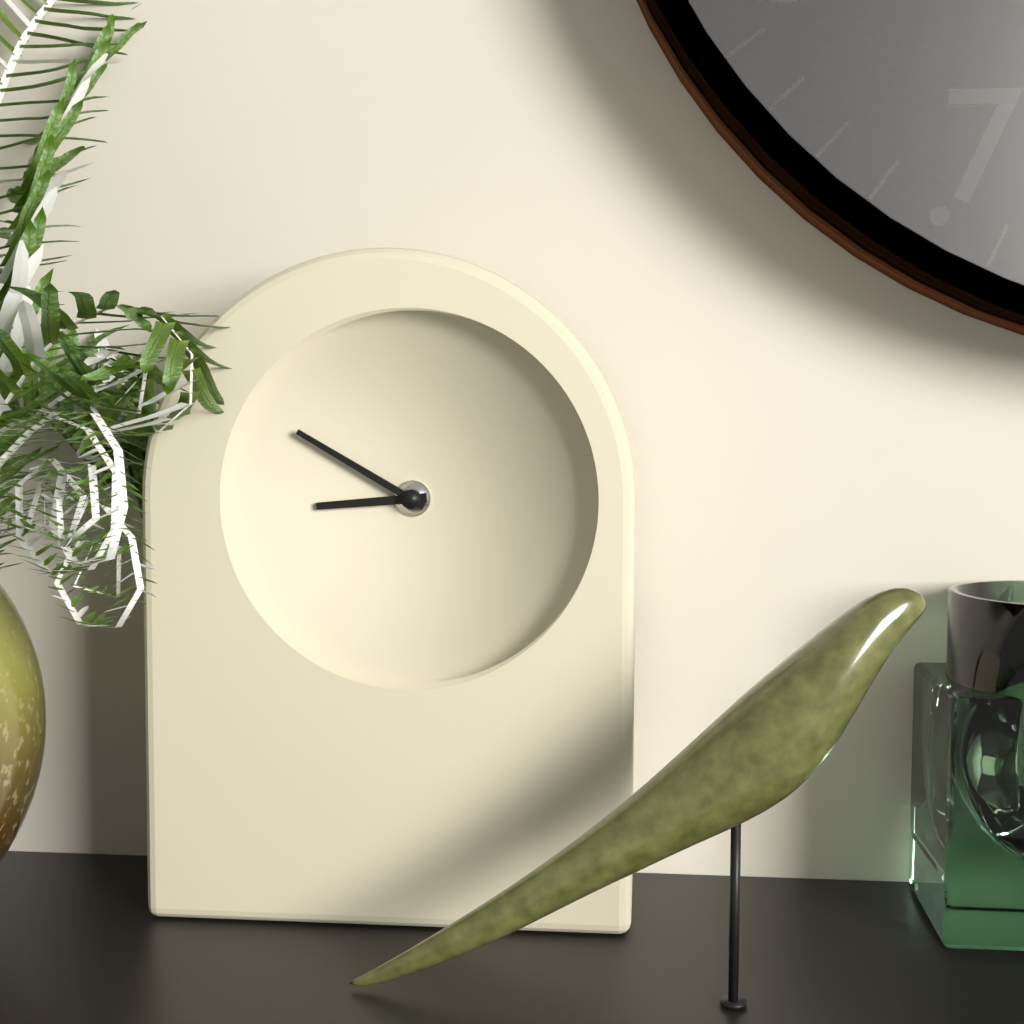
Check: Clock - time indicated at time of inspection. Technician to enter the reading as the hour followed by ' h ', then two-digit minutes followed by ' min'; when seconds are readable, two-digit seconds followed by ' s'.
8 h 50 min
